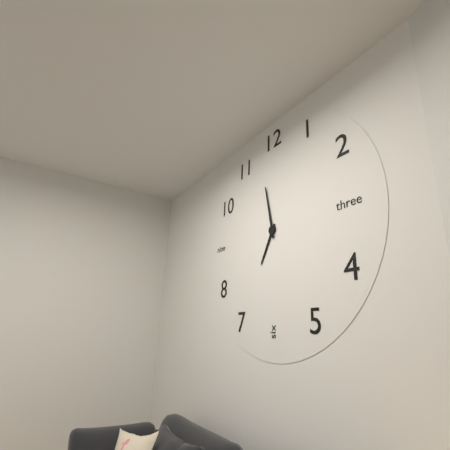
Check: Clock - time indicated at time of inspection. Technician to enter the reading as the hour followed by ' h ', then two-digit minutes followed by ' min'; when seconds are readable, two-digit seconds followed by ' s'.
6 h 58 min
